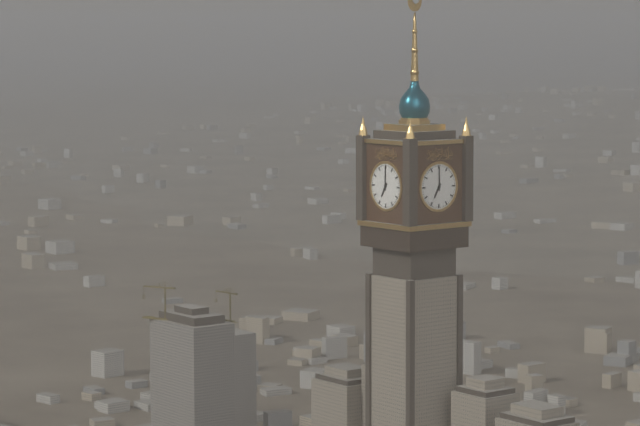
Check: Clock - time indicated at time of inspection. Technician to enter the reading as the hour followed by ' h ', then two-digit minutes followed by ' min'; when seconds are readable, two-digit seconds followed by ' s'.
7 h 00 min
